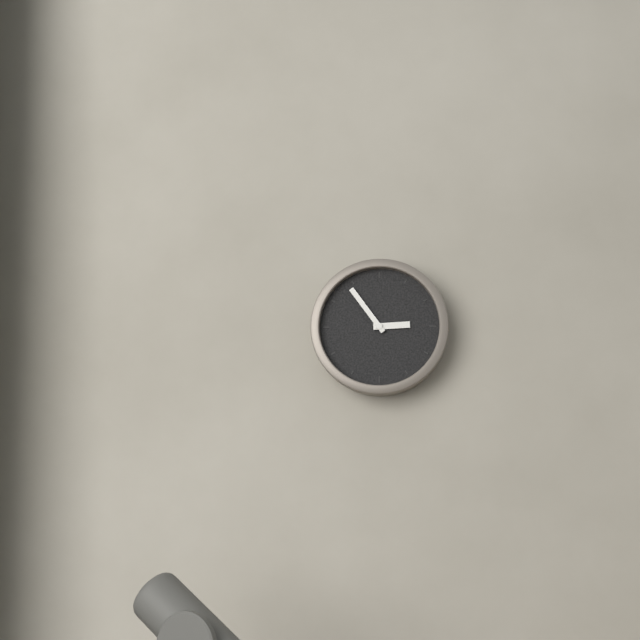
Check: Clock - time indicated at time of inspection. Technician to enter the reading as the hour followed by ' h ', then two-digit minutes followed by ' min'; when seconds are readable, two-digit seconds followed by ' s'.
2 h 54 min
